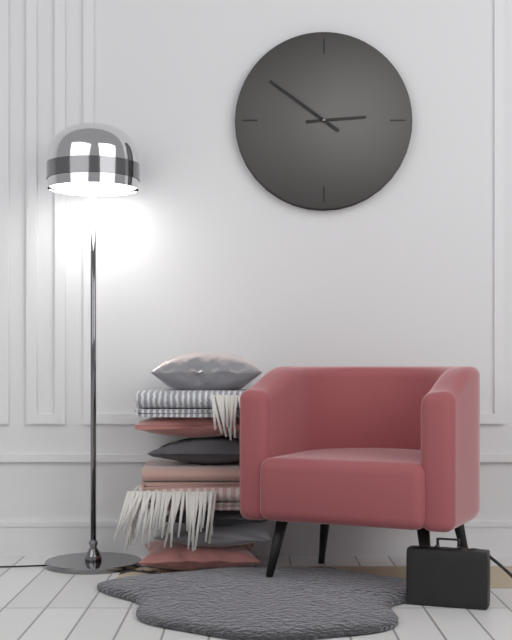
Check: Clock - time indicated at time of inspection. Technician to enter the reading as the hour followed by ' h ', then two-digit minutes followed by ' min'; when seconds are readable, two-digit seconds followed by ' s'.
2 h 51 min
